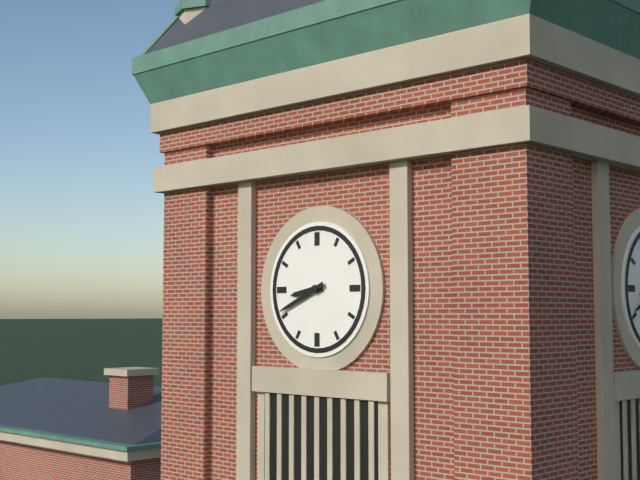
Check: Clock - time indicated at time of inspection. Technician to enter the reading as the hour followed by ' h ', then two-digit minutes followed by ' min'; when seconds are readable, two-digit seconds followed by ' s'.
8 h 41 min
